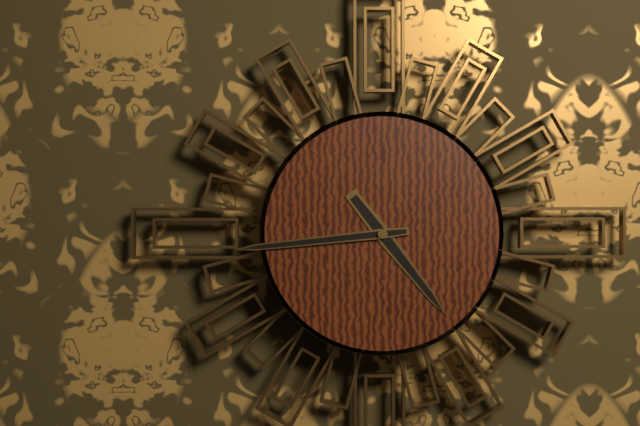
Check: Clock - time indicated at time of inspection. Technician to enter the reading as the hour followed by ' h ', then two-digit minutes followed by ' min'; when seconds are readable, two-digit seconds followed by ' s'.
4 h 44 min
